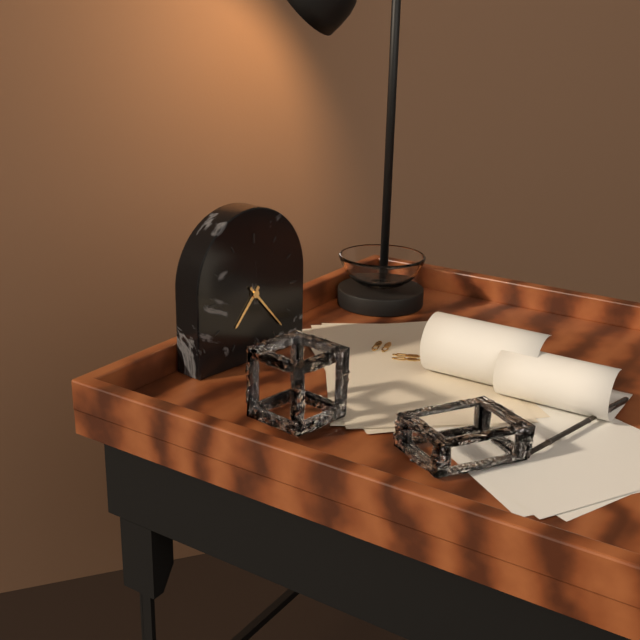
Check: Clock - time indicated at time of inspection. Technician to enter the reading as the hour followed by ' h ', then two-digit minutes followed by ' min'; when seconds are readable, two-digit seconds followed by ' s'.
7 h 23 min
